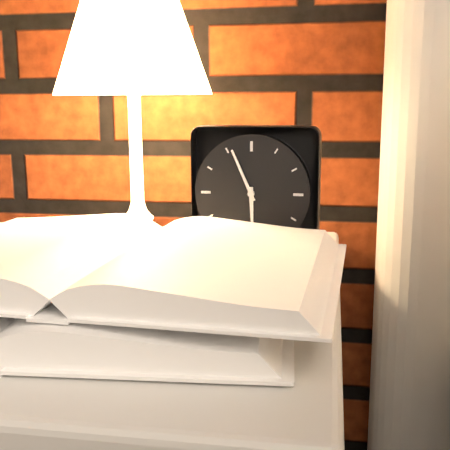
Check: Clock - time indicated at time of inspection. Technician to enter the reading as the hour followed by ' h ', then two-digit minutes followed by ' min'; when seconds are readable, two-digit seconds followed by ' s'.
5 h 56 min
